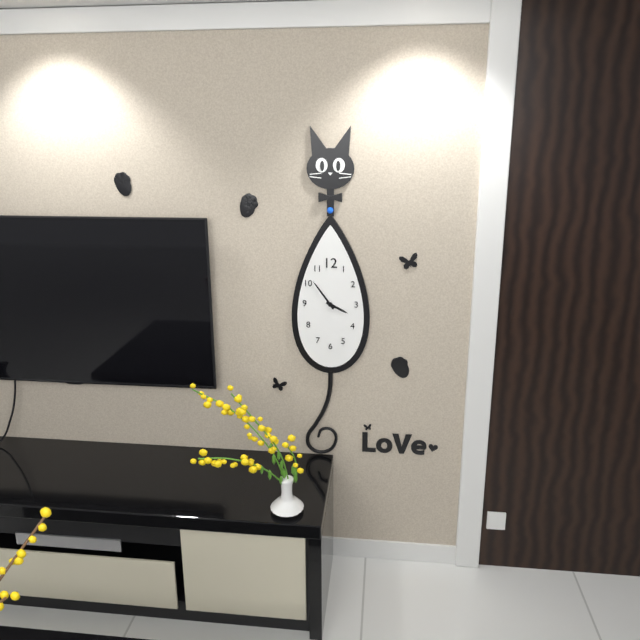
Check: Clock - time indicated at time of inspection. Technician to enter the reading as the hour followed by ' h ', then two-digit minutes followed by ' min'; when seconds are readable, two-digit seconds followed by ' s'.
3 h 54 min
